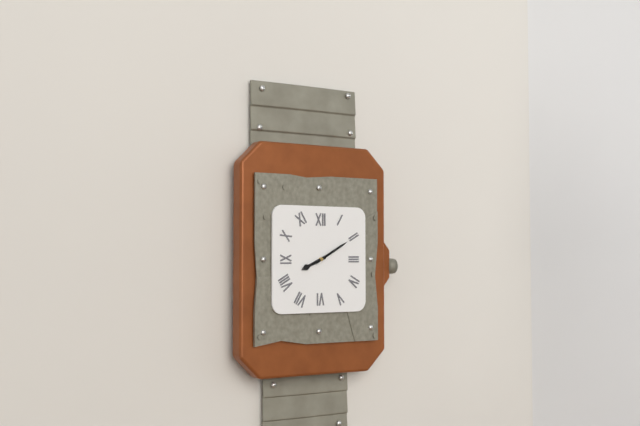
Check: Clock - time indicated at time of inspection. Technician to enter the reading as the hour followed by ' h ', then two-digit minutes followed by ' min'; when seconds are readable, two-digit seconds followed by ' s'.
8 h 10 min
